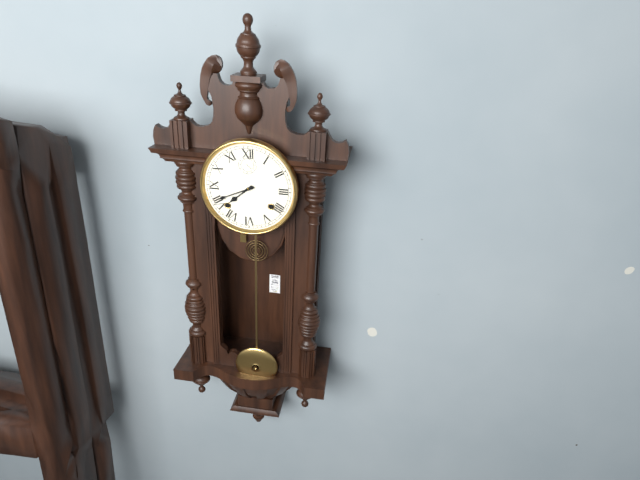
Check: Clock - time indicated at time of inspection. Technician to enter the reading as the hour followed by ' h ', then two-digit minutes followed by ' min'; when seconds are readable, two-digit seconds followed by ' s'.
7 h 41 min
